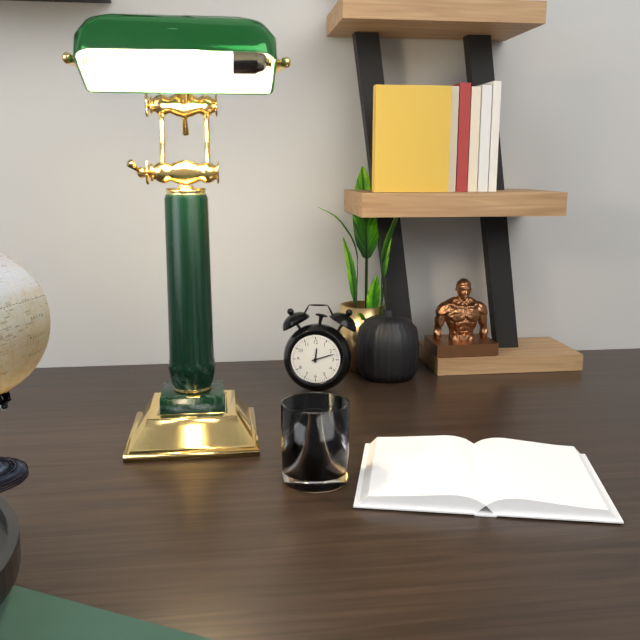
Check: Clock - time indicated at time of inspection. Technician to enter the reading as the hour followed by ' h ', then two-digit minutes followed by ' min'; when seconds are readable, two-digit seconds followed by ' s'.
12 h 12 min
